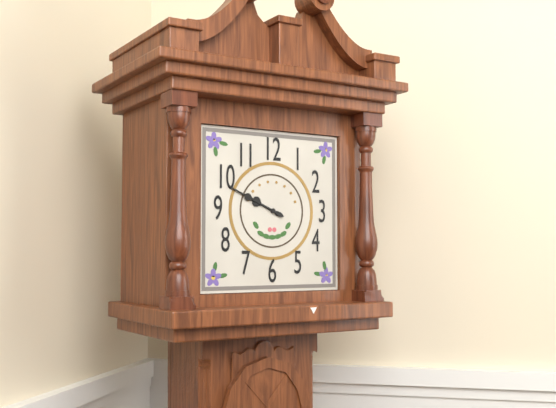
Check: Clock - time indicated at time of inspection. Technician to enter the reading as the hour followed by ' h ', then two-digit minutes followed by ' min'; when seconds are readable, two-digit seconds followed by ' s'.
9 h 49 min
